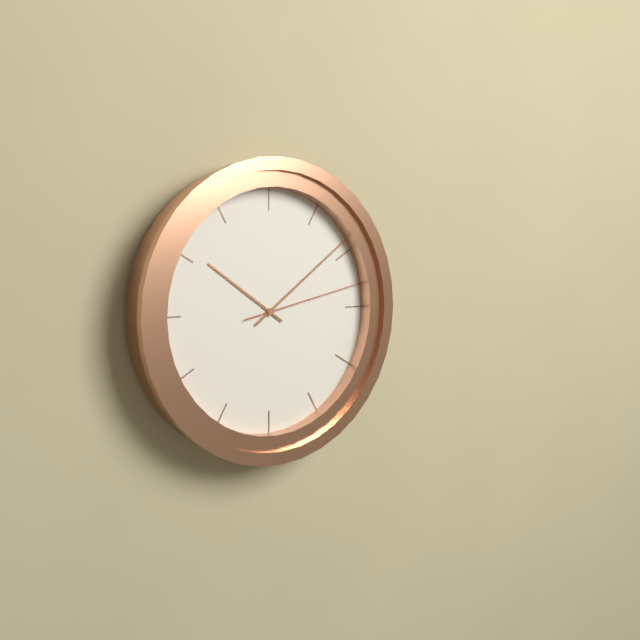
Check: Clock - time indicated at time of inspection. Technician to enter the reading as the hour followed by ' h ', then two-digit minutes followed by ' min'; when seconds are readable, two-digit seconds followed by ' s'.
10 h 09 min 13 s
